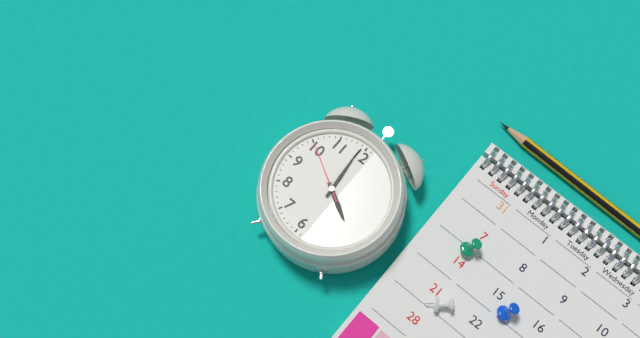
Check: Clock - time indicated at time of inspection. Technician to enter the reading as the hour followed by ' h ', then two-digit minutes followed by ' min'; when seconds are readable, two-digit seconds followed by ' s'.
3 h 59 min 50 s
